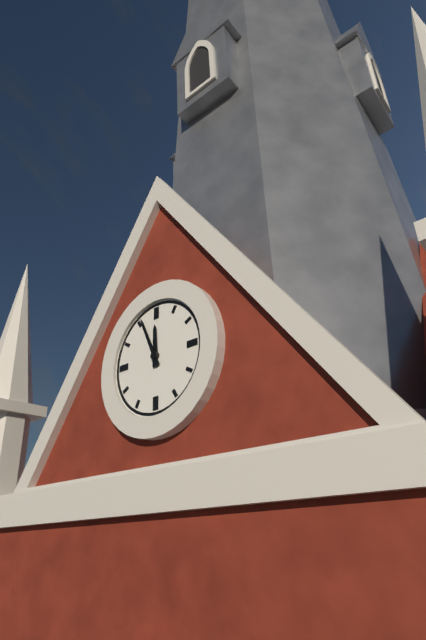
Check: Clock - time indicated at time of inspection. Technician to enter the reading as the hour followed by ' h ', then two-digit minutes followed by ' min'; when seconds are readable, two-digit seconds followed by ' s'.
11 h 56 min
